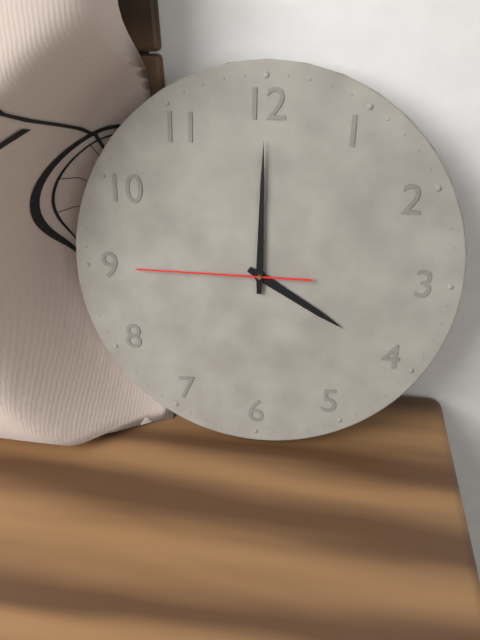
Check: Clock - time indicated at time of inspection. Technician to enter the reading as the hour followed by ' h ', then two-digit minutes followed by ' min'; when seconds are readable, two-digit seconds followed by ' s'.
4 h 00 min 45 s
